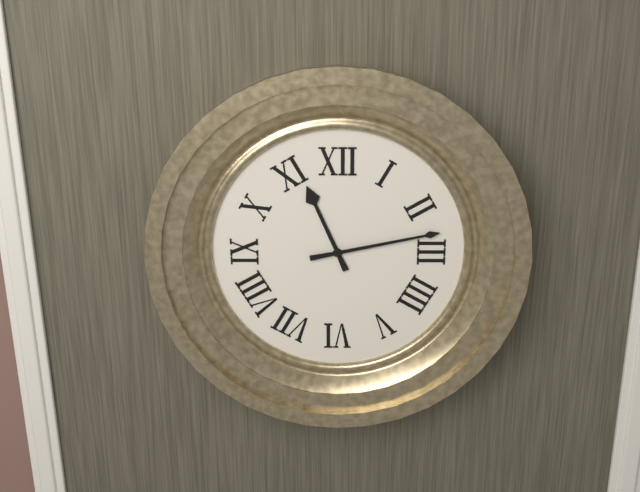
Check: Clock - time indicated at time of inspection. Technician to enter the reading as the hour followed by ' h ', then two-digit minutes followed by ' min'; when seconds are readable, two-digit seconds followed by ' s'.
11 h 13 min
